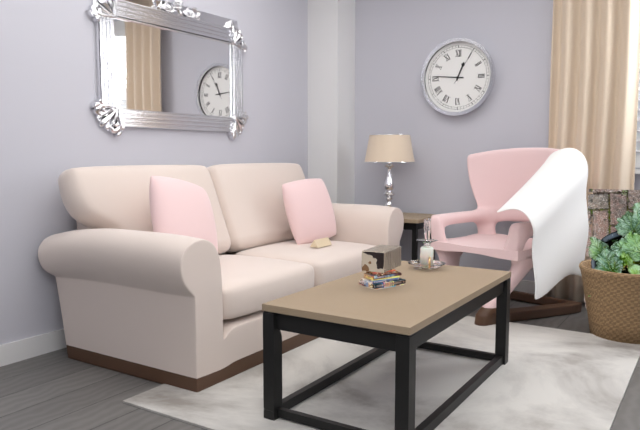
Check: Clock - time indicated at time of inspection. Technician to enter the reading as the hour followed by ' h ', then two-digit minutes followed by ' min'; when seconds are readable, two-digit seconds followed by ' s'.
12 h 46 min
